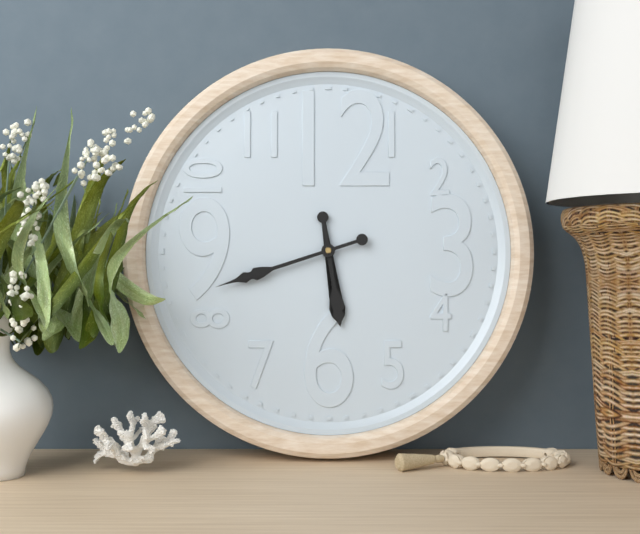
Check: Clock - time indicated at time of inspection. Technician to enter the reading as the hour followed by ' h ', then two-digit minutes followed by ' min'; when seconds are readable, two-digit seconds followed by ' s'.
5 h 42 min
